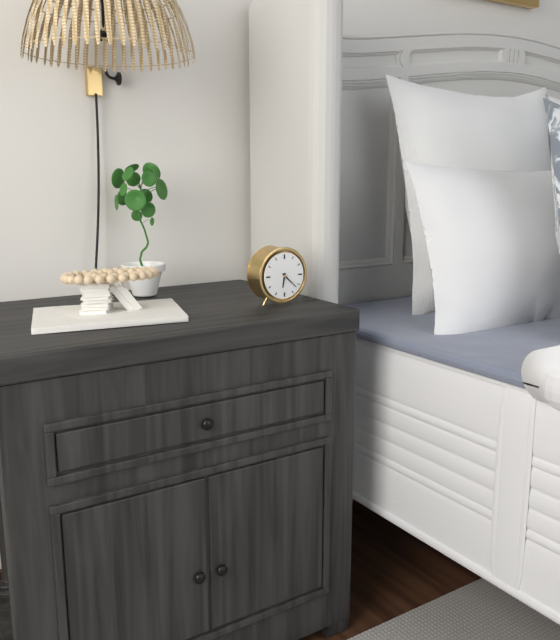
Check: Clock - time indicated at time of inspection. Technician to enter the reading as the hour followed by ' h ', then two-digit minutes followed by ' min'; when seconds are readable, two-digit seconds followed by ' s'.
6 h 22 min
